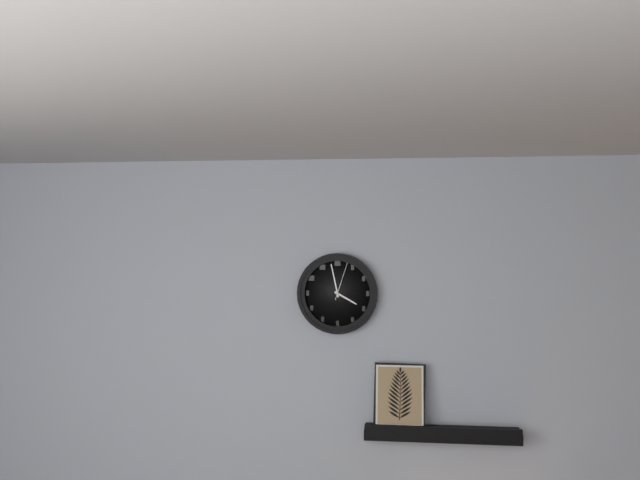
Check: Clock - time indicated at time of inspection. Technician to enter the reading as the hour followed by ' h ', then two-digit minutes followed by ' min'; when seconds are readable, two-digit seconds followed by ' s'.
3 h 58 min
